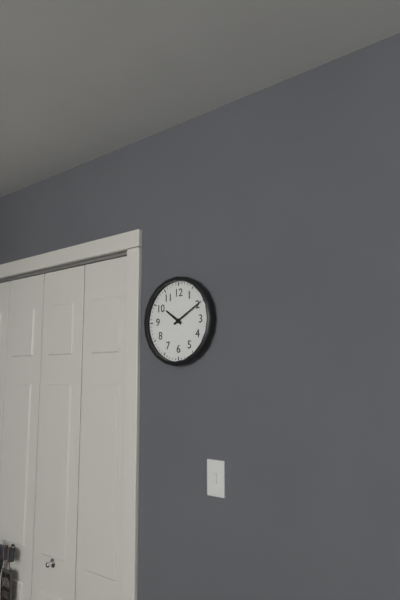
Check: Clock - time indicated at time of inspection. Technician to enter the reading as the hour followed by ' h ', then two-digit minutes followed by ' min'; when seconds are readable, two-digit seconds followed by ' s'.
10 h 10 min
